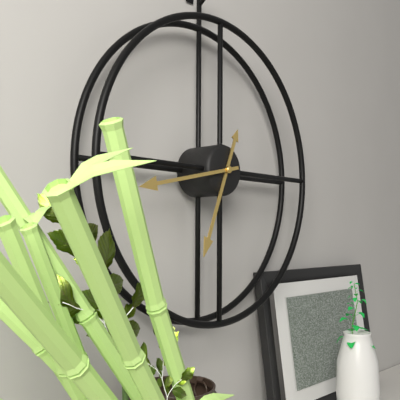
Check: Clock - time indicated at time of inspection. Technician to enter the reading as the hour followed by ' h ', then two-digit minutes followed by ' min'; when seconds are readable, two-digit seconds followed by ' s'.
6 h 43 min
